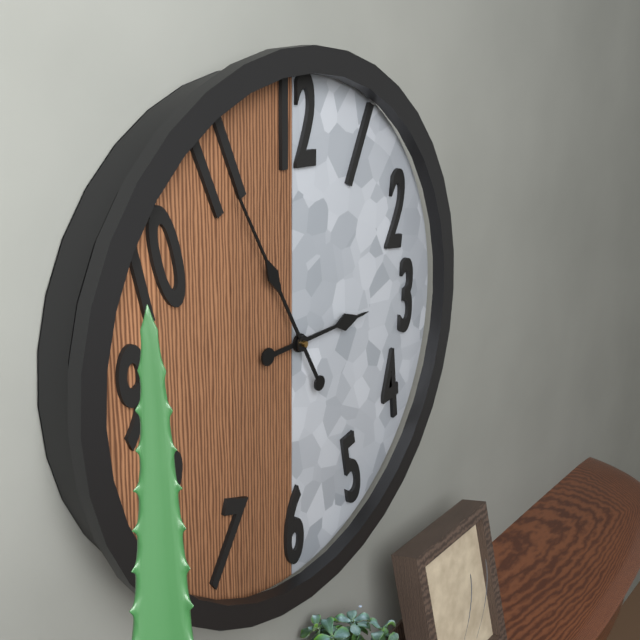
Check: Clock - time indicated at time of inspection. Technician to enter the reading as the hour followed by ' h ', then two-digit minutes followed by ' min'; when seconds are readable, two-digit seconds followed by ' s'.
2 h 55 min
